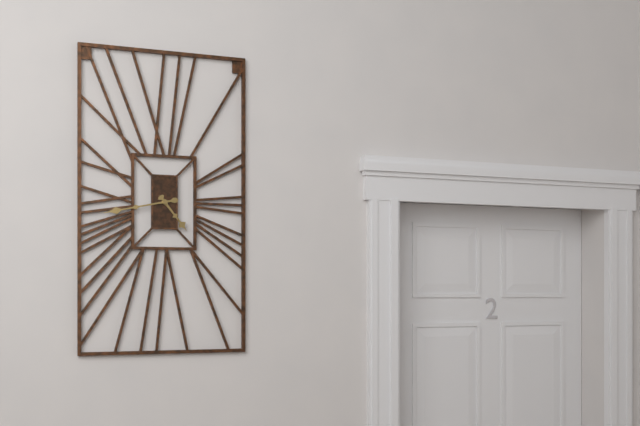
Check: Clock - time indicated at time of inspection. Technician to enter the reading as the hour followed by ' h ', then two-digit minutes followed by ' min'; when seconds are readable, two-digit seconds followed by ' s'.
4 h 43 min
